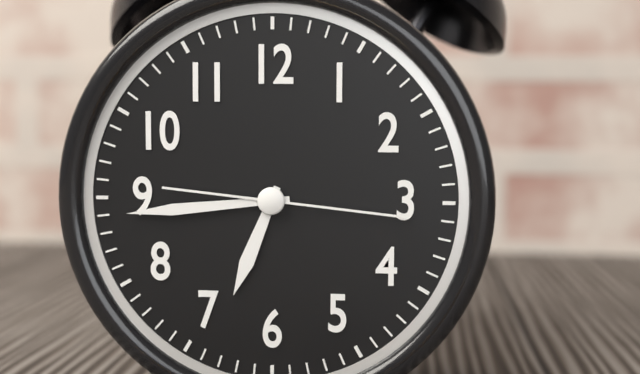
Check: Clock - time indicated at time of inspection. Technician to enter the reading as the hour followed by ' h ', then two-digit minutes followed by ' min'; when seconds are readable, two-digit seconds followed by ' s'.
6 h 44 min 16 s
